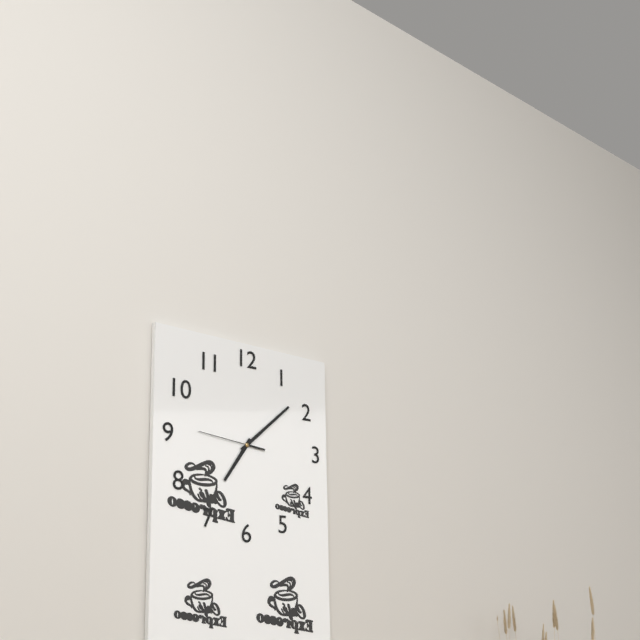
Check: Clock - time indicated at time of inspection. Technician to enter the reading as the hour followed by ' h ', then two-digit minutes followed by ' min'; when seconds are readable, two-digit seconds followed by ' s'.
7 h 08 min 46 s
